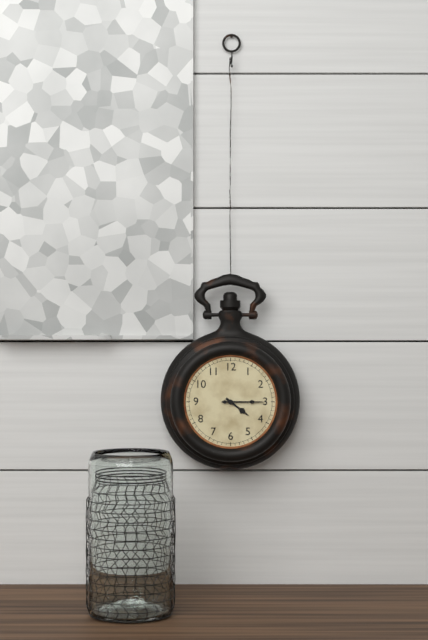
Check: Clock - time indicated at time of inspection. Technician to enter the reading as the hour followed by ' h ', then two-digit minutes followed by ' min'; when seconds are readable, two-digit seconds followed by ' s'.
4 h 15 min
